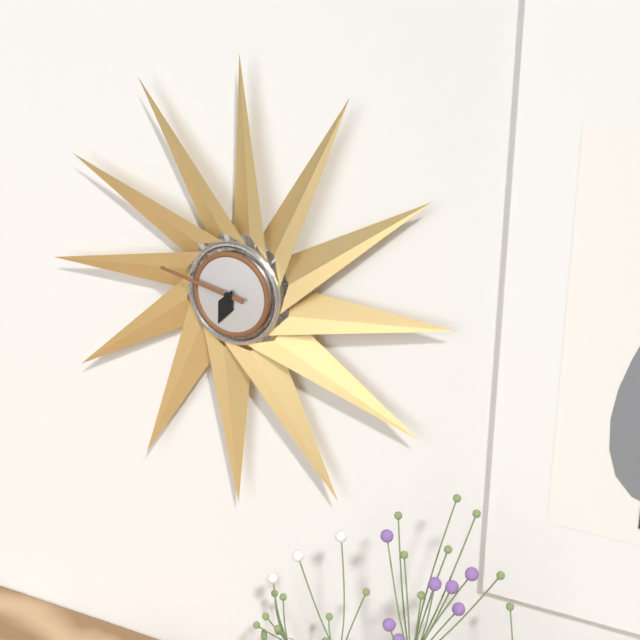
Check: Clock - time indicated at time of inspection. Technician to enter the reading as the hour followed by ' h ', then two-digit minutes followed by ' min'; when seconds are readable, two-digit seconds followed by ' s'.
6 h 47 min
